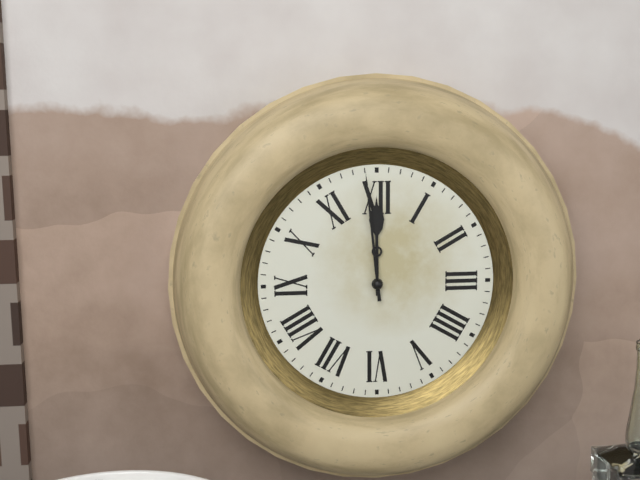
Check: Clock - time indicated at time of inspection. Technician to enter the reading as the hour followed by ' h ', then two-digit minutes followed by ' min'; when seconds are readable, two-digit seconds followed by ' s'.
11 h 59 min
